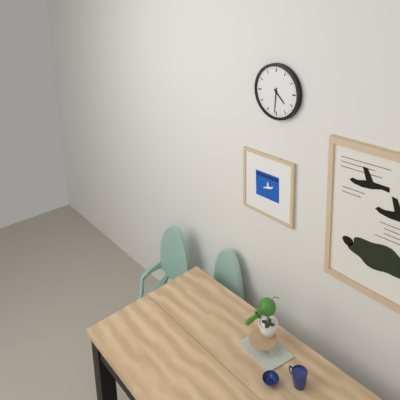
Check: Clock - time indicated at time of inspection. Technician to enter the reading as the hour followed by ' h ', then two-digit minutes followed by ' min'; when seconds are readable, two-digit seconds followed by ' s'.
4 h 31 min
